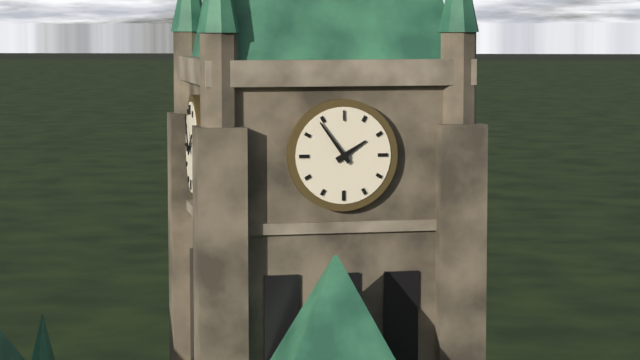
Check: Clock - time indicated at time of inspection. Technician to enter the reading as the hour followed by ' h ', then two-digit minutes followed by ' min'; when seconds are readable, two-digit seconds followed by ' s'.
1 h 54 min
